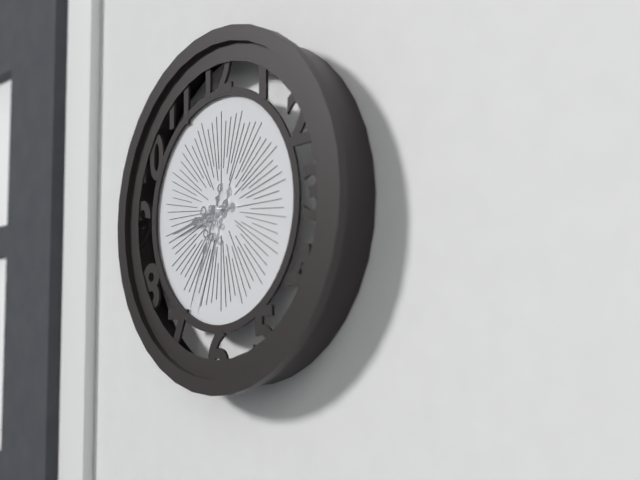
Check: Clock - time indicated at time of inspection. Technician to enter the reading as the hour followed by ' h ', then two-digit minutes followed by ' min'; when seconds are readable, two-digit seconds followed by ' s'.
8 h 34 min
